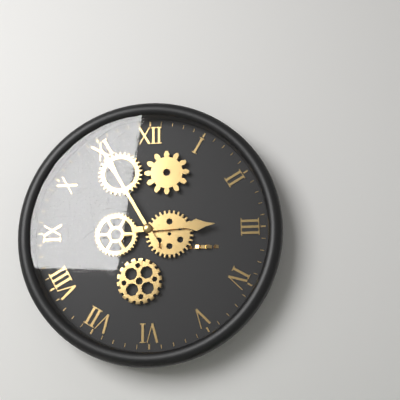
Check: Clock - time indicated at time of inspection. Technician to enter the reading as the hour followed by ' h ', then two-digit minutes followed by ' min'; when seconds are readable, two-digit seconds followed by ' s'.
2 h 55 min
